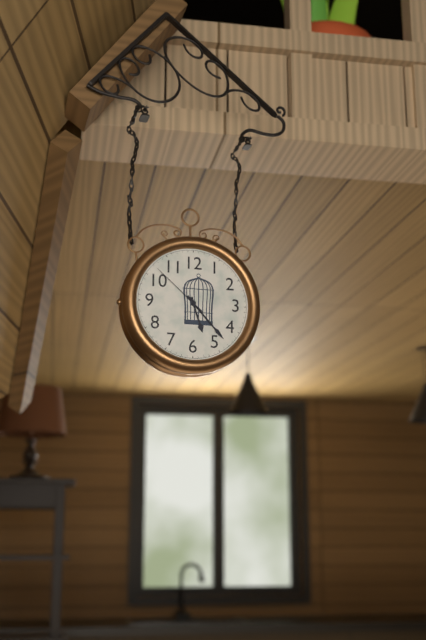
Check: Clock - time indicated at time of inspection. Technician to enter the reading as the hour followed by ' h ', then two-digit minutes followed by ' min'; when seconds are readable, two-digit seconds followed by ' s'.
5 h 23 min 52 s
